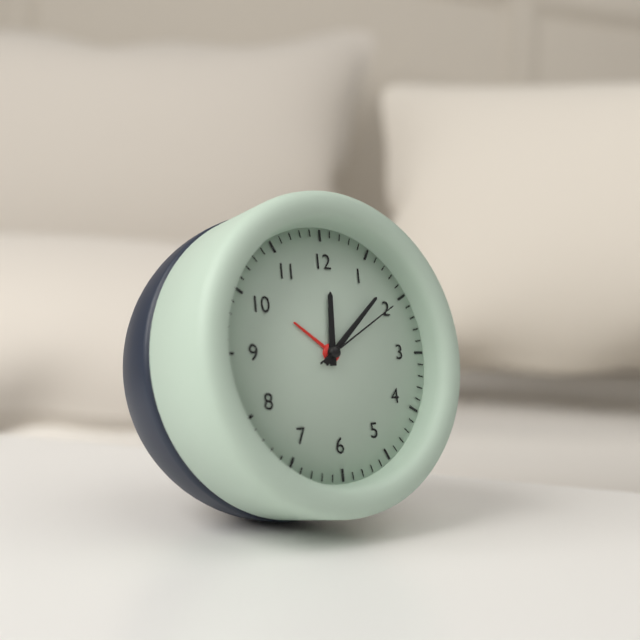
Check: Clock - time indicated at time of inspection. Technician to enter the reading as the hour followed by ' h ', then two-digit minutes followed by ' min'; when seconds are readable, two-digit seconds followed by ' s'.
12 h 08 min 10 s
